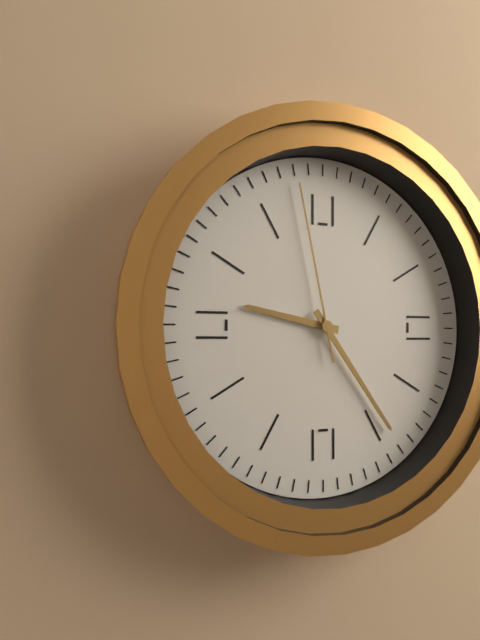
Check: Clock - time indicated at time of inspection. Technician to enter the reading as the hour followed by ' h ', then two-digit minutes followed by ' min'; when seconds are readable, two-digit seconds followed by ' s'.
9 h 24 min 58 s
